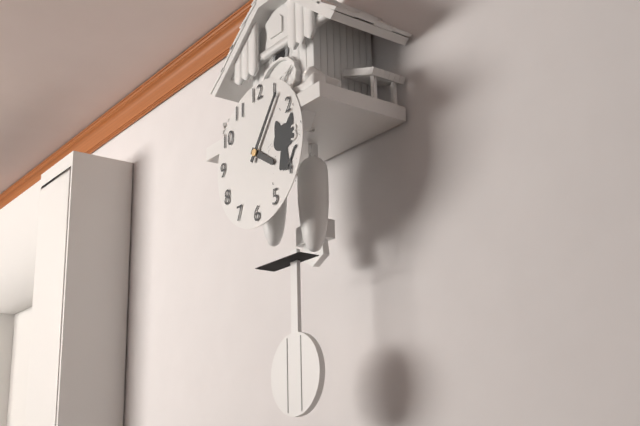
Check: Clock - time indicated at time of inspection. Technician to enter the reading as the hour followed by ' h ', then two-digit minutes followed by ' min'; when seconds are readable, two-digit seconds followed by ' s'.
4 h 06 min
